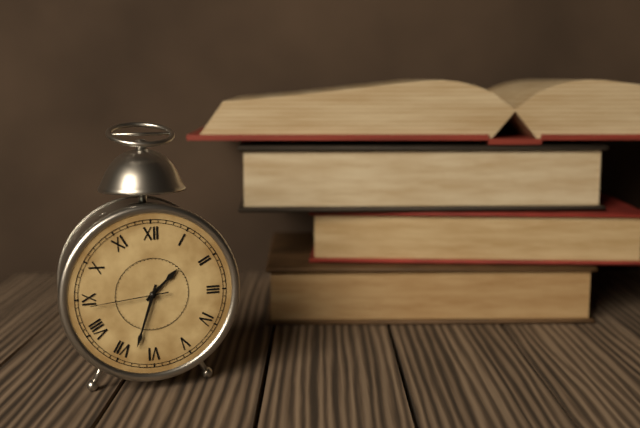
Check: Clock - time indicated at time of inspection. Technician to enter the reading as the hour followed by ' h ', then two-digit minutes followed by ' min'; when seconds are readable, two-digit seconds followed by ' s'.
1 h 33 min 44 s
